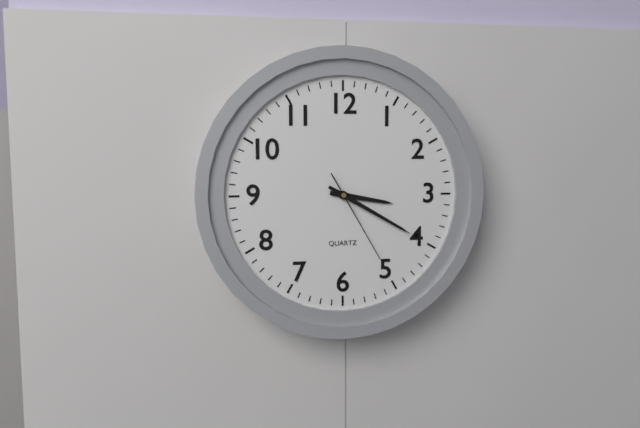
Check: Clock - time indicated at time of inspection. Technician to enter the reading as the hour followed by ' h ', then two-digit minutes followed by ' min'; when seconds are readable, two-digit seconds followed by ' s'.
3 h 20 min 25 s
